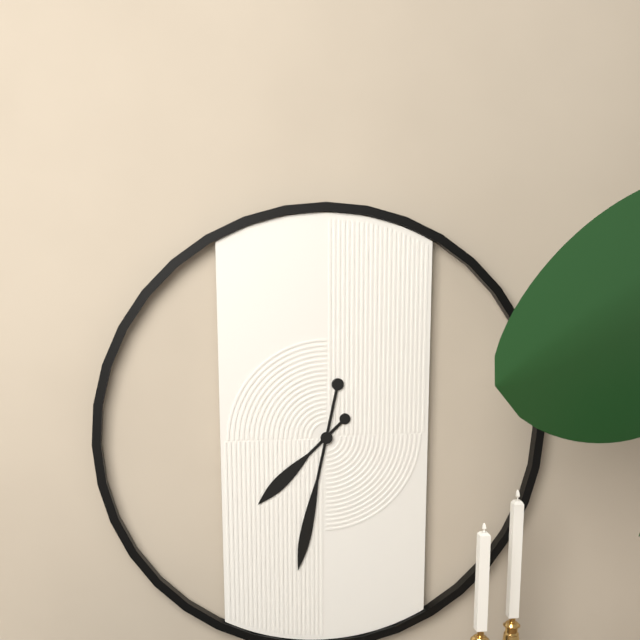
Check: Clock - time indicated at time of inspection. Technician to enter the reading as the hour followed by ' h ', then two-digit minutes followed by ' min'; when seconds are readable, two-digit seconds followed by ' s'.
7 h 32 min
